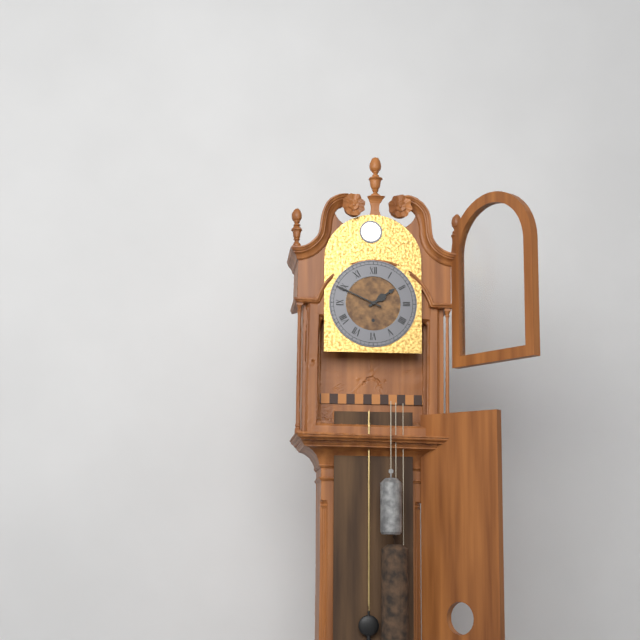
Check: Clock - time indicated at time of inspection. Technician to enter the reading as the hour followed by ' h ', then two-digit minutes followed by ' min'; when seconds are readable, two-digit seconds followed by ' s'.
1 h 49 min
